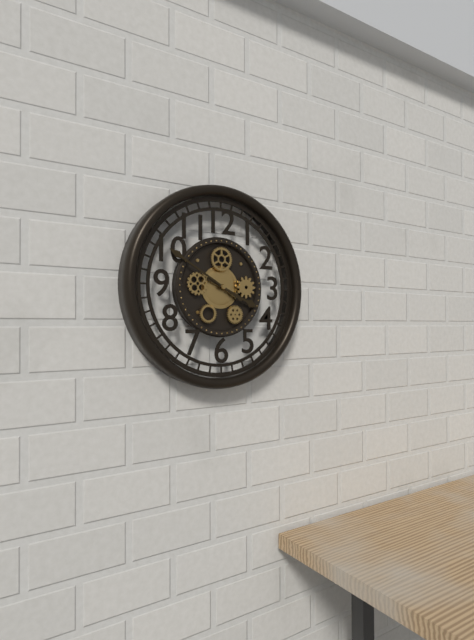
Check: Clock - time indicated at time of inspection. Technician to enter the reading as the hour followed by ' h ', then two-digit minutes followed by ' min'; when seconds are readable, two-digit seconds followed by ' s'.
3 h 50 min
